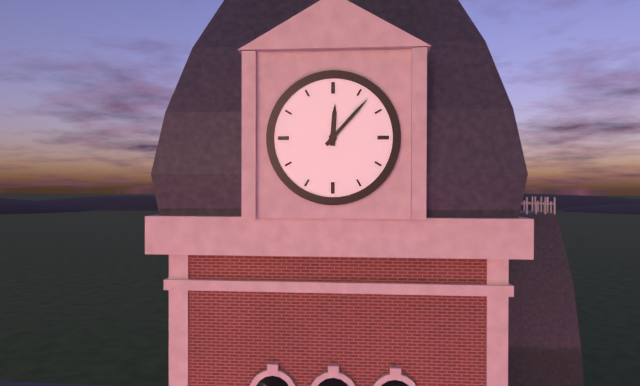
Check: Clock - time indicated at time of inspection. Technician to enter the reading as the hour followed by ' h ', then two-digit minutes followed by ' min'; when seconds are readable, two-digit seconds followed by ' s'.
12 h 07 min
